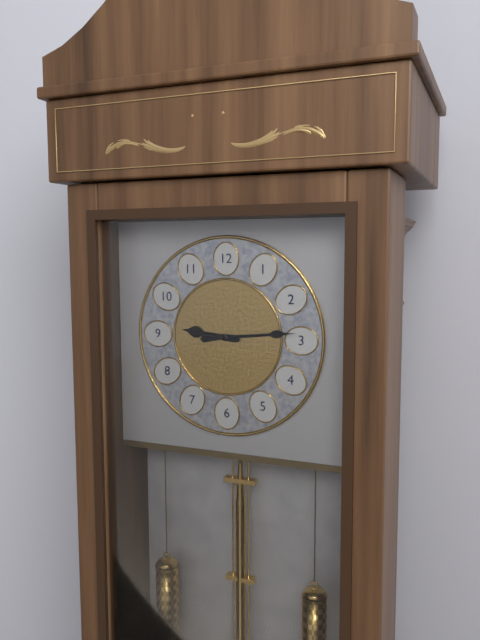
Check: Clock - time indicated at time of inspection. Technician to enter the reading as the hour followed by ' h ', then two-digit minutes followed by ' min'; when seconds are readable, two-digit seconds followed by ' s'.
9 h 14 min
